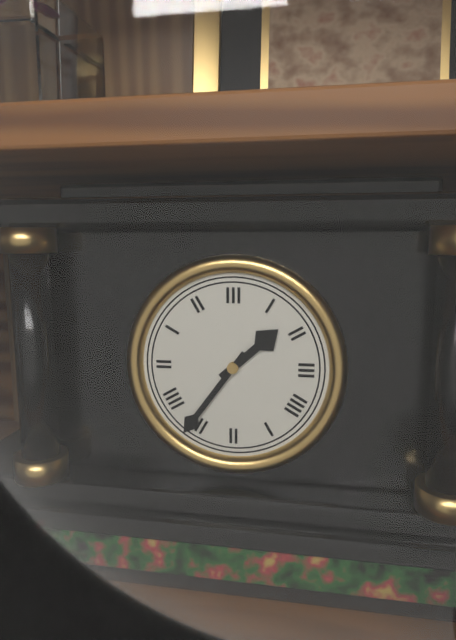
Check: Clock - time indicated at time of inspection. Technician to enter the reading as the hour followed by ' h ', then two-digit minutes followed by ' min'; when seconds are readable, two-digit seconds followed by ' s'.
1 h 36 min
